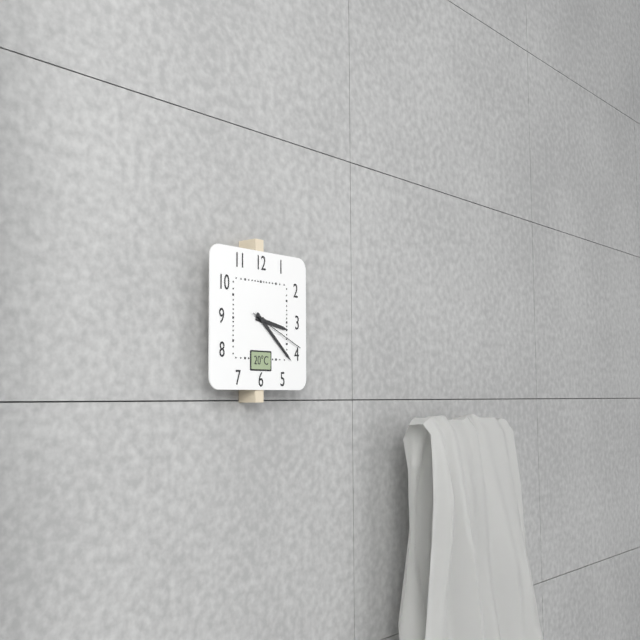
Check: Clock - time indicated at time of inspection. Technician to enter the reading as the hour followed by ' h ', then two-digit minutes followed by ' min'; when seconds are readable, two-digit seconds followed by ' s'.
3 h 22 min 19 s
